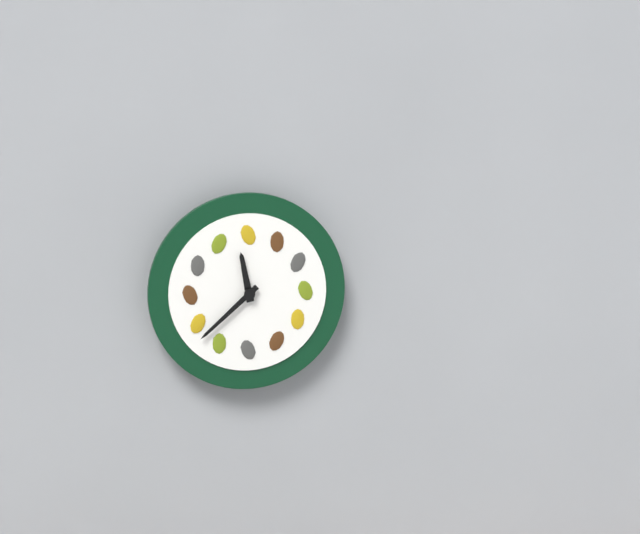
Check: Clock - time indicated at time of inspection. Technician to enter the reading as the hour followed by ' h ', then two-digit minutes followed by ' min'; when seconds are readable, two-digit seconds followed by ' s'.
11 h 38 min
